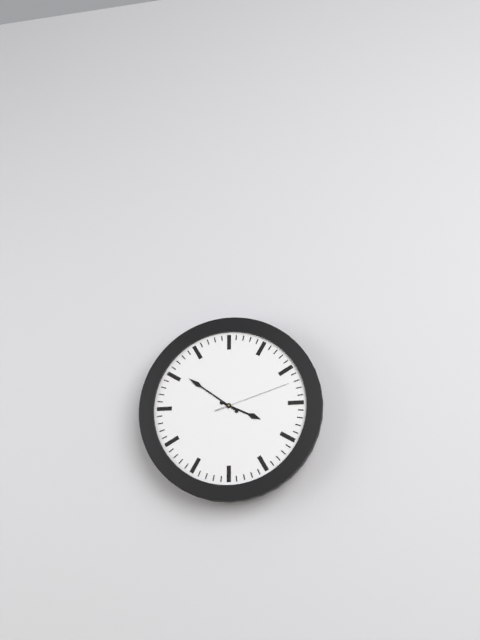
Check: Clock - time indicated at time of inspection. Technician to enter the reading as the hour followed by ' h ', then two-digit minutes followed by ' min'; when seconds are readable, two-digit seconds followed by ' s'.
3 h 51 min 12 s
